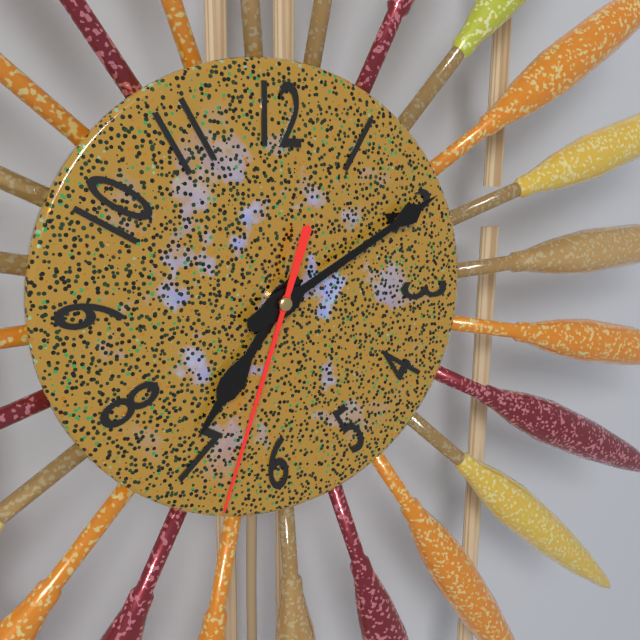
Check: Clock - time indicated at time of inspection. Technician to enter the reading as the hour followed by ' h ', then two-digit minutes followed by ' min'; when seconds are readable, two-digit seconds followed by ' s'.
7 h 10 min 33 s
